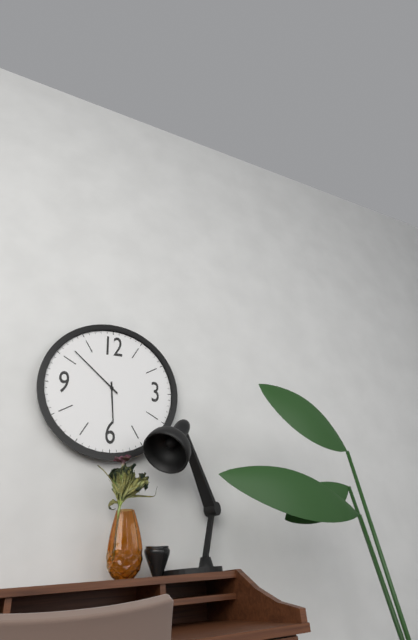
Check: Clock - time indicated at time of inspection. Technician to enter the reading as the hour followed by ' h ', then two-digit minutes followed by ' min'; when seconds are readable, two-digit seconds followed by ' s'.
5 h 52 min
